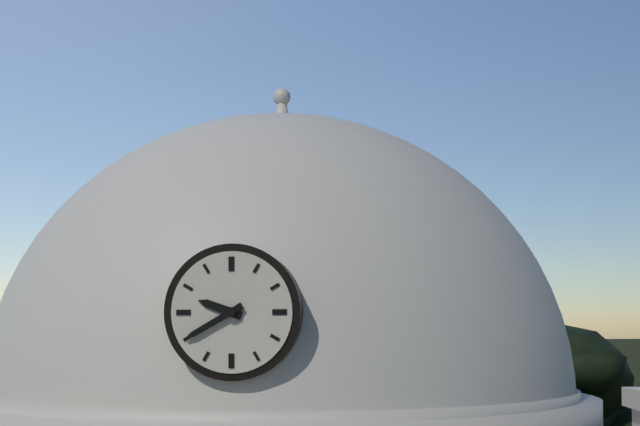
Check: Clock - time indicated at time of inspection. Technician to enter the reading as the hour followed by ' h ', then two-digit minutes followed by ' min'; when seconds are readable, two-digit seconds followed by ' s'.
9 h 40 min
